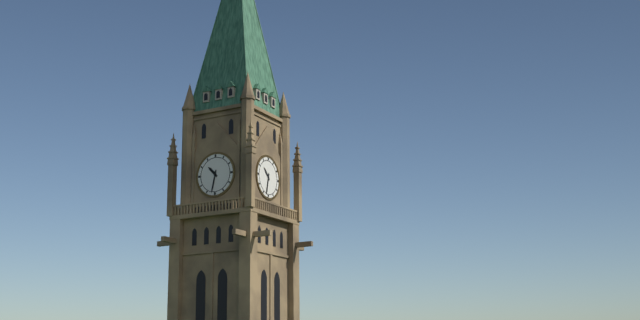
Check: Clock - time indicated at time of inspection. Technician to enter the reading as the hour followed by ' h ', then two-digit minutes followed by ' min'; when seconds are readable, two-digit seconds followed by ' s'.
10 h 32 min
